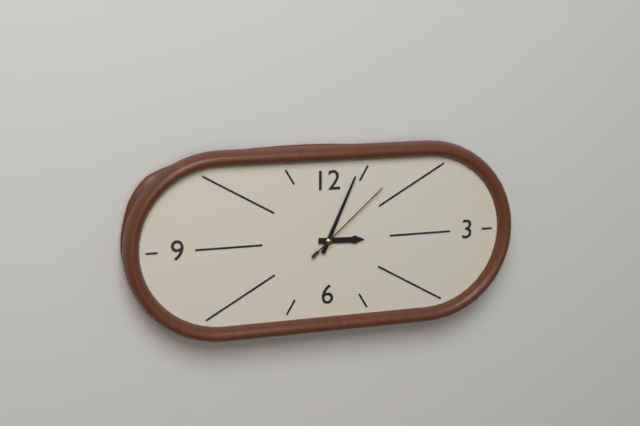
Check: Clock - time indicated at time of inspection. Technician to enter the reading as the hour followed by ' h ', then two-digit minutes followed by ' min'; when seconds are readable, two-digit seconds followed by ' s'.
3 h 04 min 08 s
